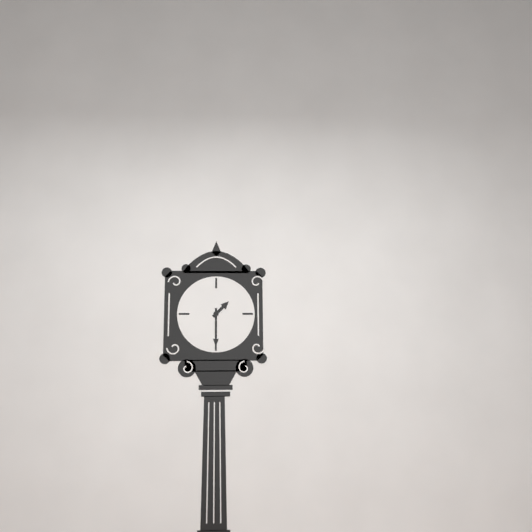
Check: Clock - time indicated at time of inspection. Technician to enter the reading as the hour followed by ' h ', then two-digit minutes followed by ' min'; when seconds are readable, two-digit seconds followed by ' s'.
1 h 30 min
